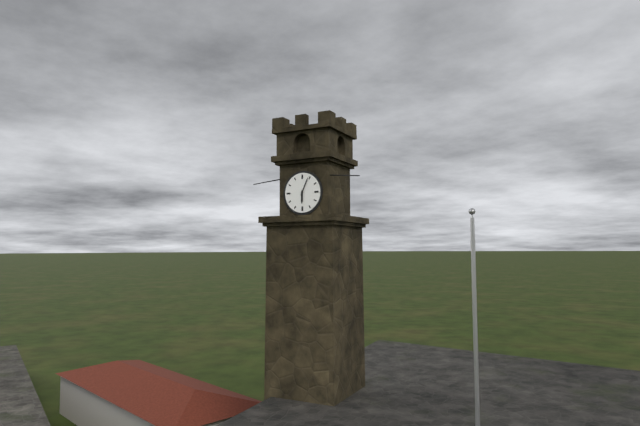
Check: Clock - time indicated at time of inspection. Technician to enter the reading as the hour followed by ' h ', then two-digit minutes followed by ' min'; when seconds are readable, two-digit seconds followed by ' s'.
6 h 04 min
